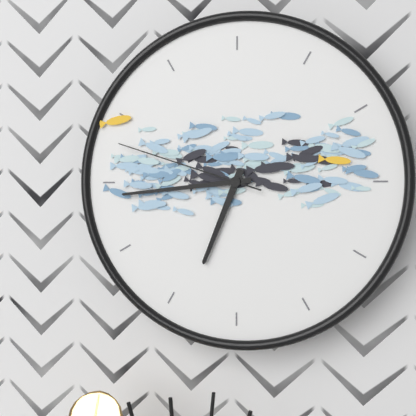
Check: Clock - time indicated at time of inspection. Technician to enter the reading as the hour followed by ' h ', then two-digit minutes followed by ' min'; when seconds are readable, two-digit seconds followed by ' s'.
6 h 44 min 48 s
